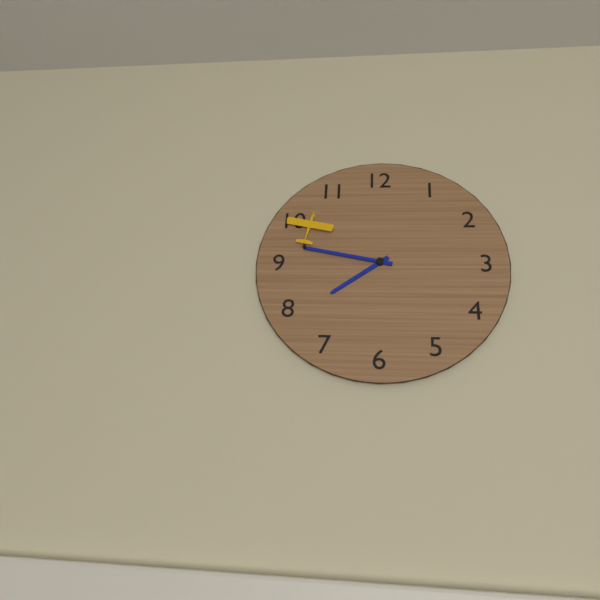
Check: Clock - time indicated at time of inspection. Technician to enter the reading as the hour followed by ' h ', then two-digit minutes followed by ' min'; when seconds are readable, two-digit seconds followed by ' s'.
7 h 47 min
